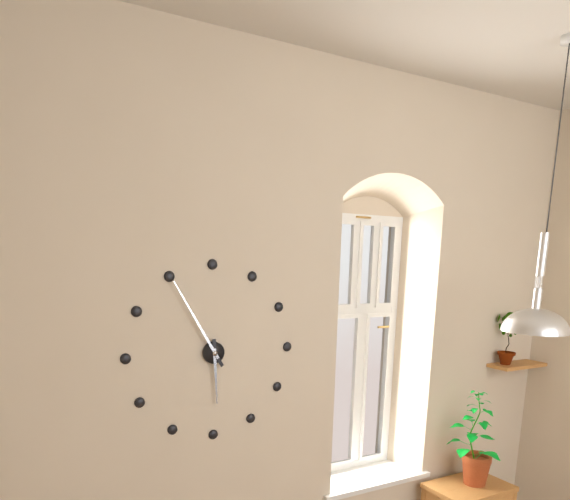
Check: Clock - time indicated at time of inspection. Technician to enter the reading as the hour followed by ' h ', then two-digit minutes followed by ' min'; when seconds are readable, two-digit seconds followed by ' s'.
5 h 55 min
